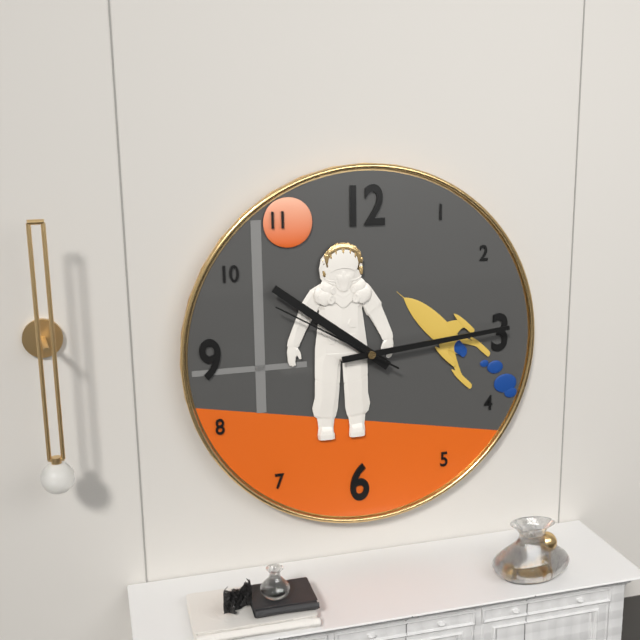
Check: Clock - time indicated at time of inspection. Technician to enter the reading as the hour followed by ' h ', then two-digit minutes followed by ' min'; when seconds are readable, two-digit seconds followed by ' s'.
10 h 14 min 50 s
